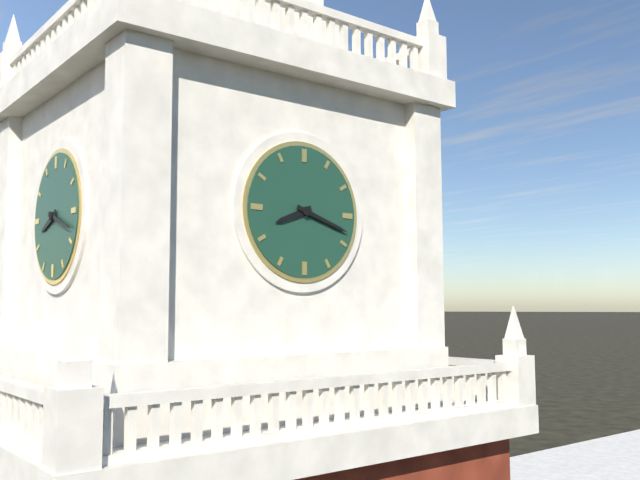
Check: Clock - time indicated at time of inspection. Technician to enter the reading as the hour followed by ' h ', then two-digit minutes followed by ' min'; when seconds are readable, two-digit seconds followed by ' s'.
8 h 18 min
